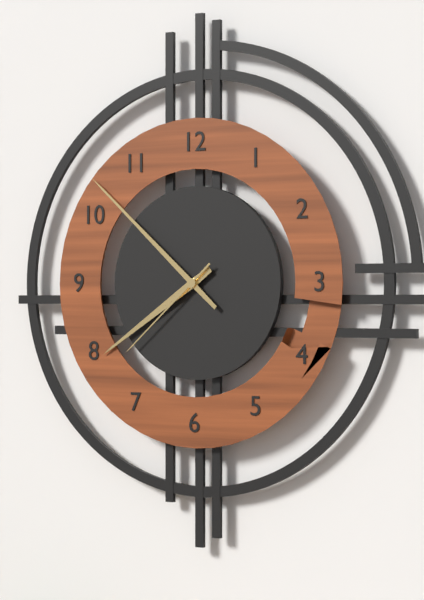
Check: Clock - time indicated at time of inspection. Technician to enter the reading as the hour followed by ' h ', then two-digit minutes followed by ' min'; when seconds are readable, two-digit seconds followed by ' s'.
7 h 52 min 38 s
